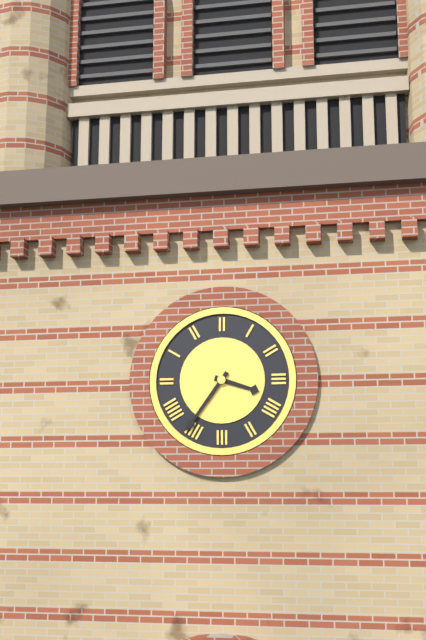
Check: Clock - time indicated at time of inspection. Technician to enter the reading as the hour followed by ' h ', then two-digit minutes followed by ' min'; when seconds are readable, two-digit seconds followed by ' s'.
3 h 36 min
